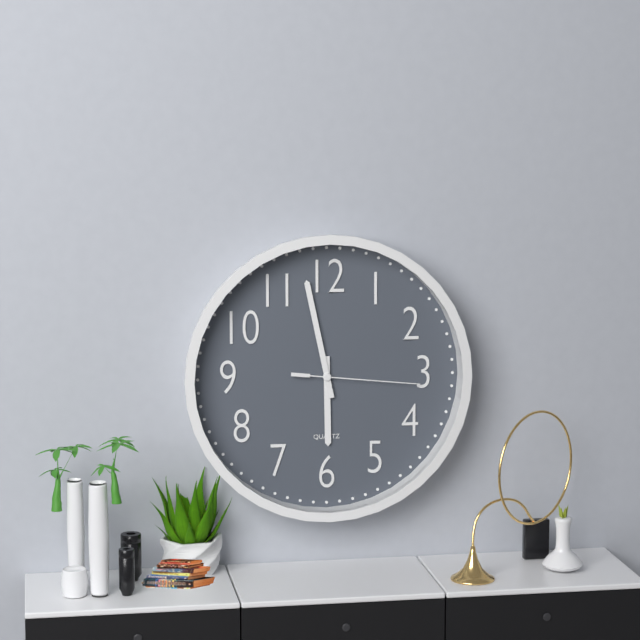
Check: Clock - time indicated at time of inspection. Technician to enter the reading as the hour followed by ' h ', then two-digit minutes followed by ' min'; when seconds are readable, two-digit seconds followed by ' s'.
5 h 58 min 16 s
